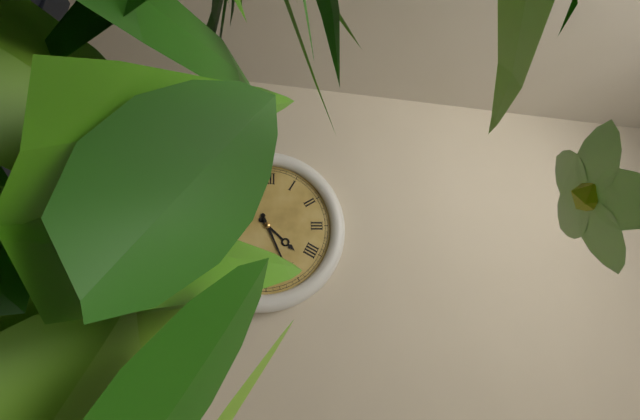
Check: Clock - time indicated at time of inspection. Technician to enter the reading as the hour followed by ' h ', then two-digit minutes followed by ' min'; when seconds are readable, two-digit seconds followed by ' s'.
4 h 26 min
